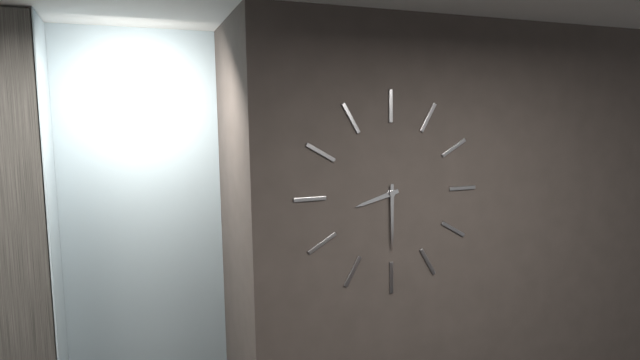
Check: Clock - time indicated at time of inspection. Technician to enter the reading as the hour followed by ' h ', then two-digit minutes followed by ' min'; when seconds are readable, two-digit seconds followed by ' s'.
8 h 30 min
